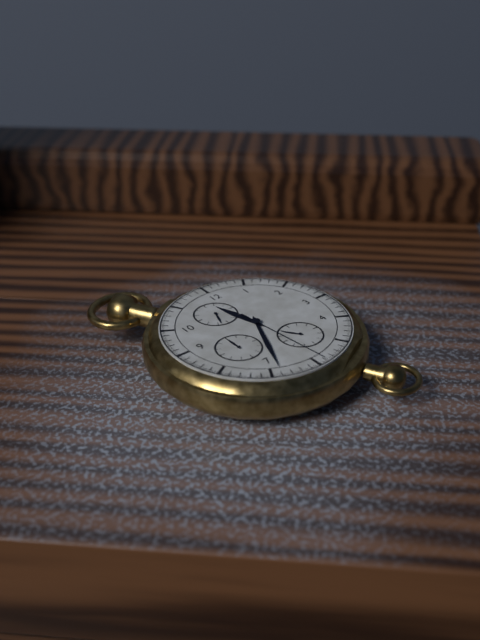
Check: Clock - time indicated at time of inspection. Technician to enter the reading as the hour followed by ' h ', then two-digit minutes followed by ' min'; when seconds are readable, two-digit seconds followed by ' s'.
11 h 34 min 29 s
